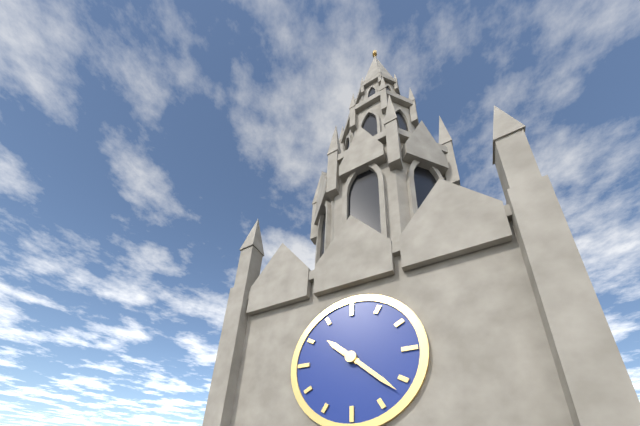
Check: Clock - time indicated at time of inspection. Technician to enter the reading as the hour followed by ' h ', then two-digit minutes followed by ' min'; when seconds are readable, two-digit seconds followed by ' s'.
10 h 22 min
